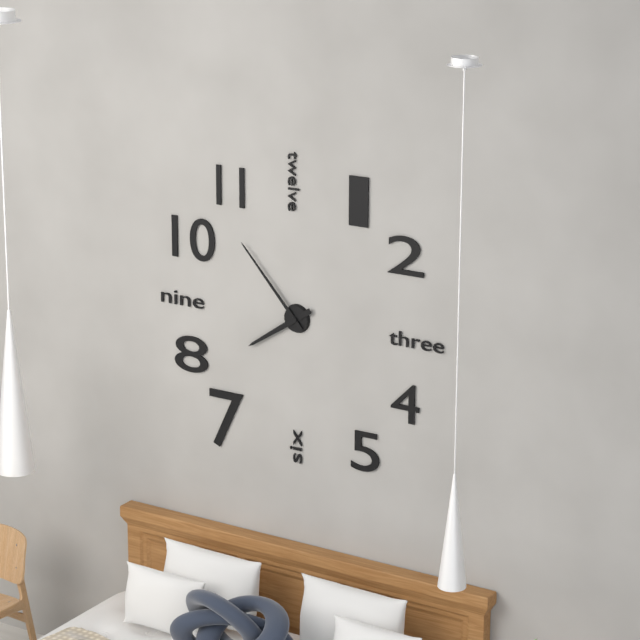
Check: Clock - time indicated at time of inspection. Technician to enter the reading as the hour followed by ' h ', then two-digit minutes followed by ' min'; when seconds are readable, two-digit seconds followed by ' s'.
7 h 53 min
